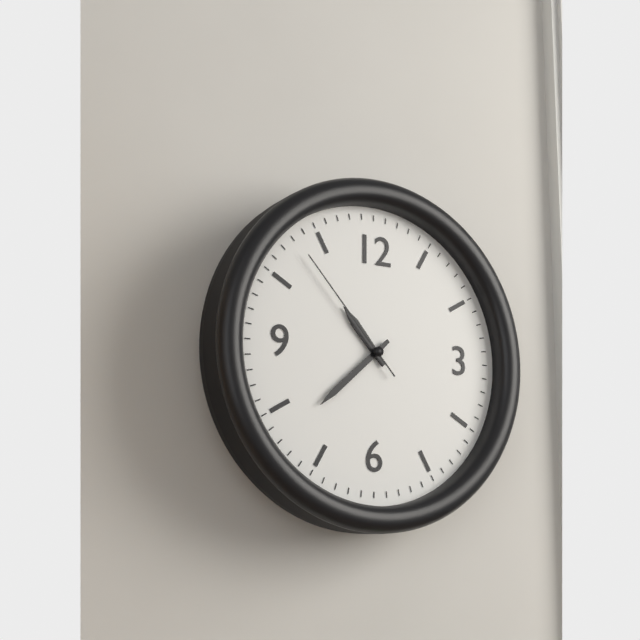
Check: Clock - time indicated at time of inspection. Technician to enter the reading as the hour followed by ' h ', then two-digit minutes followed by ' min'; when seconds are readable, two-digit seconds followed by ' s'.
10 h 38 min 53 s
